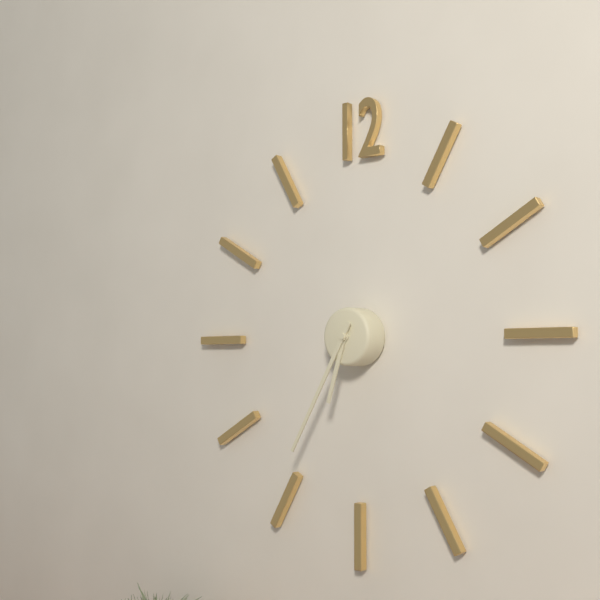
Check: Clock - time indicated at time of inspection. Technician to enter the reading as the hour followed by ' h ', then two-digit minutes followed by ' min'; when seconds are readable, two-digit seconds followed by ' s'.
6 h 35 min
